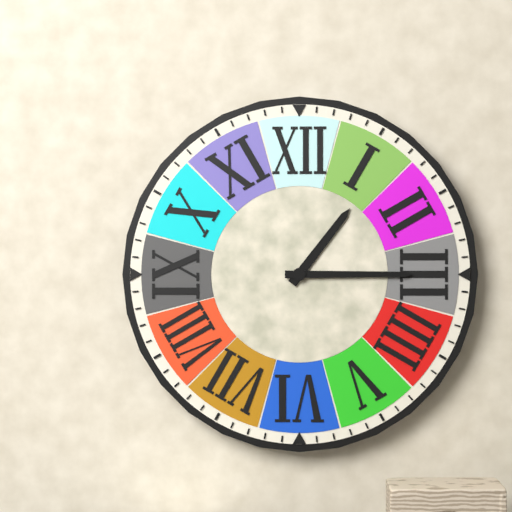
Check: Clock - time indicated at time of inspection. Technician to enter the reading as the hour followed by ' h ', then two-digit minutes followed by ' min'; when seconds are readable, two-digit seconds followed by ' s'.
1 h 15 min
